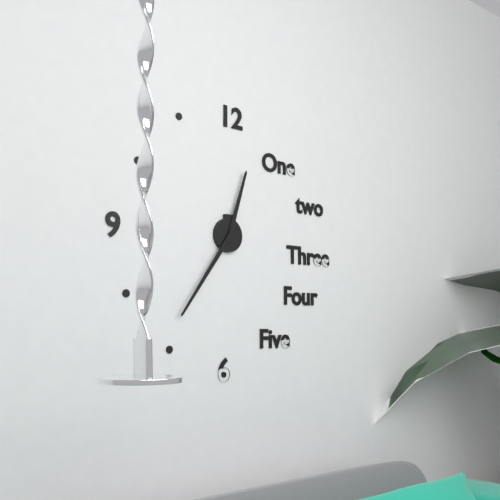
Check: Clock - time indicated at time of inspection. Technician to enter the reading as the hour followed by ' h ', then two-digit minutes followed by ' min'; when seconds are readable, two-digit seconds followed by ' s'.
12 h 36 min
